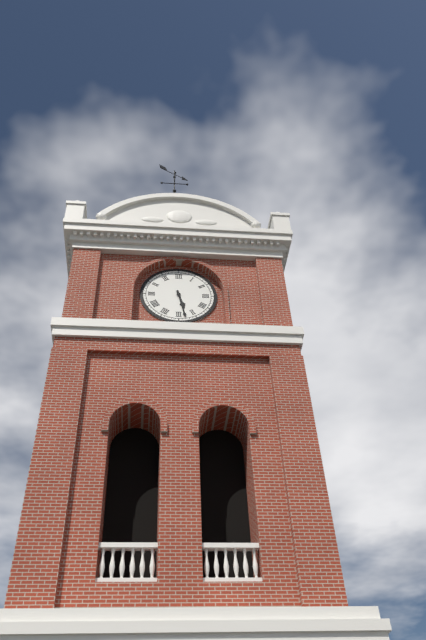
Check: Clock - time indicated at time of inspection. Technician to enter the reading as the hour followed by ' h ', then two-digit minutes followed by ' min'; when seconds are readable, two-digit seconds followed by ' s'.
5 h 28 min
